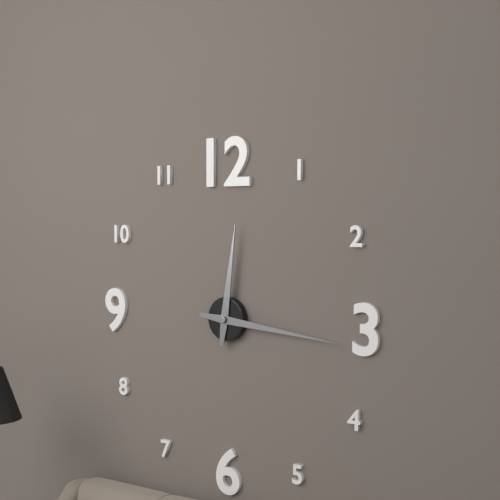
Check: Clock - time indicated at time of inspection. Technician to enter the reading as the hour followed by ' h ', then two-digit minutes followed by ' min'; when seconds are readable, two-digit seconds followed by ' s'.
12 h 16 min
